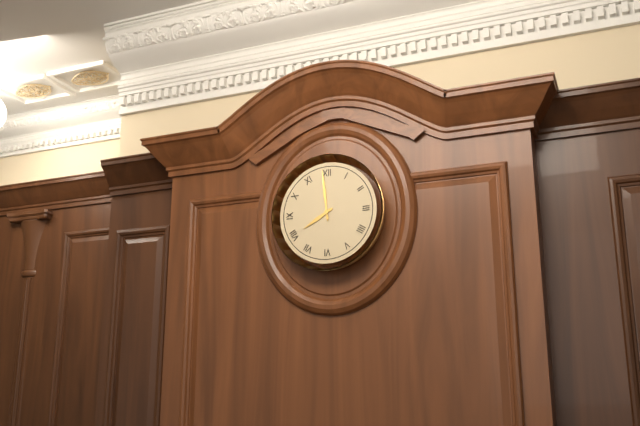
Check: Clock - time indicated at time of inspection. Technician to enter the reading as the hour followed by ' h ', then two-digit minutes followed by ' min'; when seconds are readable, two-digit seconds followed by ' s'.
7 h 59 min
